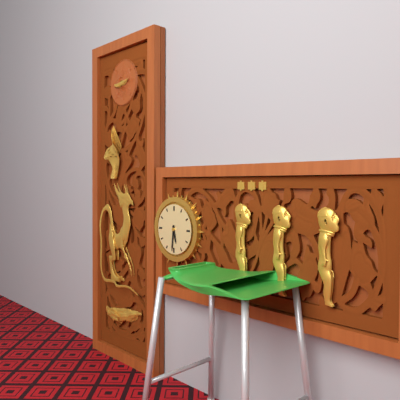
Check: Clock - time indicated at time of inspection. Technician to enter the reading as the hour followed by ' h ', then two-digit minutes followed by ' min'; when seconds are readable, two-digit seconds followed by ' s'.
5 h 31 min
